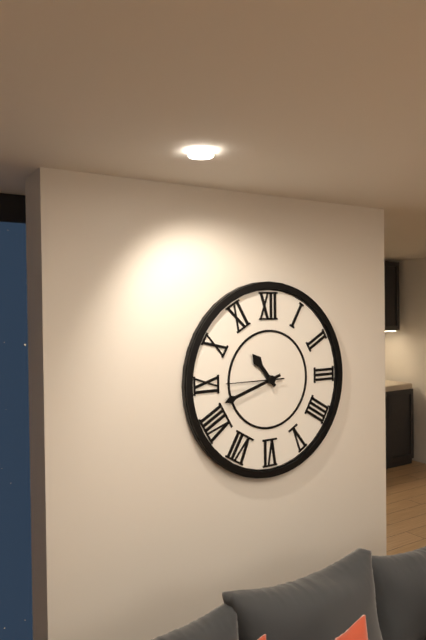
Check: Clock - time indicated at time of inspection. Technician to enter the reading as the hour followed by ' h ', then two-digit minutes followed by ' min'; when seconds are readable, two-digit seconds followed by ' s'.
10 h 42 min 45 s
